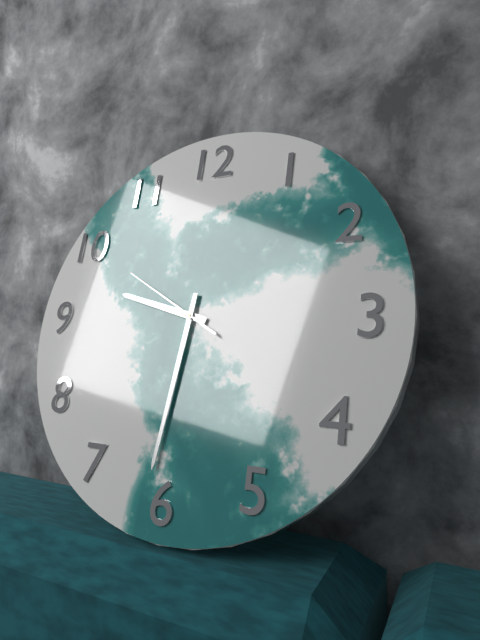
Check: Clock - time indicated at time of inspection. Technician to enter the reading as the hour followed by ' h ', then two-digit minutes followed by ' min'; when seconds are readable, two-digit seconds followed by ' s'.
9 h 31 min 50 s
